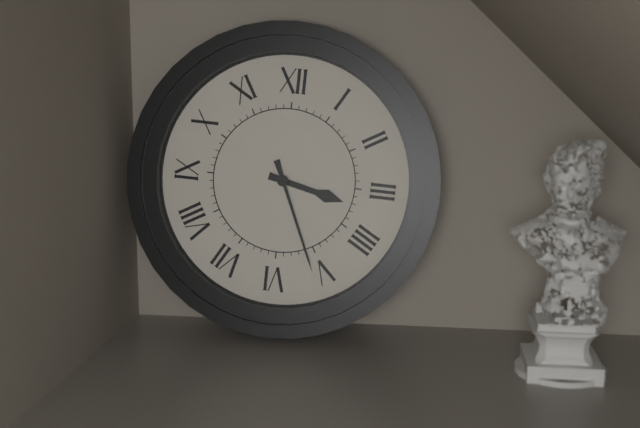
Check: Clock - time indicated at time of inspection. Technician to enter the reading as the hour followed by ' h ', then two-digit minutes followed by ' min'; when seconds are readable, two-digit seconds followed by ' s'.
3 h 26 min
